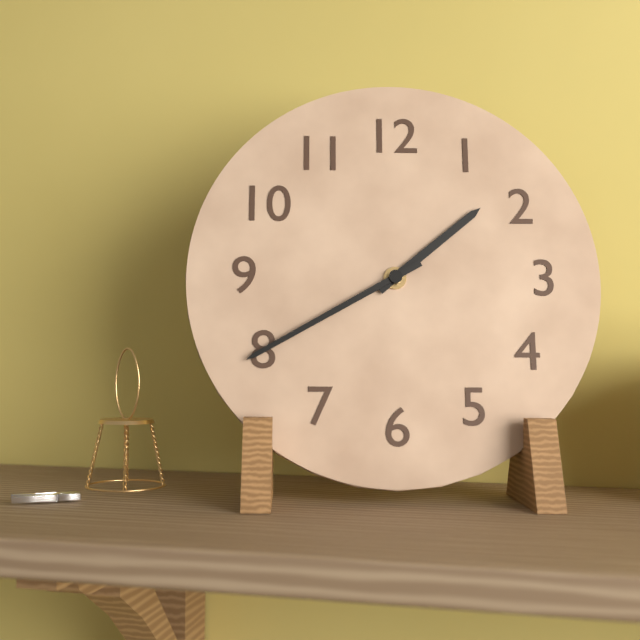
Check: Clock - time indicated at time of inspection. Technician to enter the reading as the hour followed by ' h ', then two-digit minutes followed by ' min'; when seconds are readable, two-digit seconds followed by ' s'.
1 h 40 min
